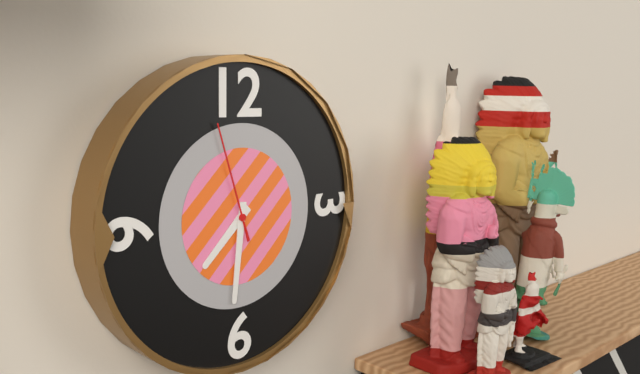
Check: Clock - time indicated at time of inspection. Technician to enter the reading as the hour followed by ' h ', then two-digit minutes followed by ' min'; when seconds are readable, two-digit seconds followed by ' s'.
7 h 31 min 57 s
